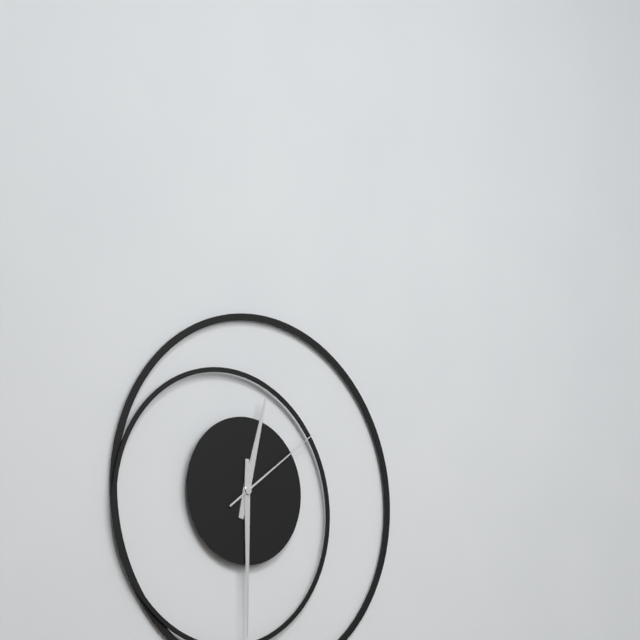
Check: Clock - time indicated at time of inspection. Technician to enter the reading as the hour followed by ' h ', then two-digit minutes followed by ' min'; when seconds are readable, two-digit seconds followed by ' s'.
12 h 30 min 09 s
